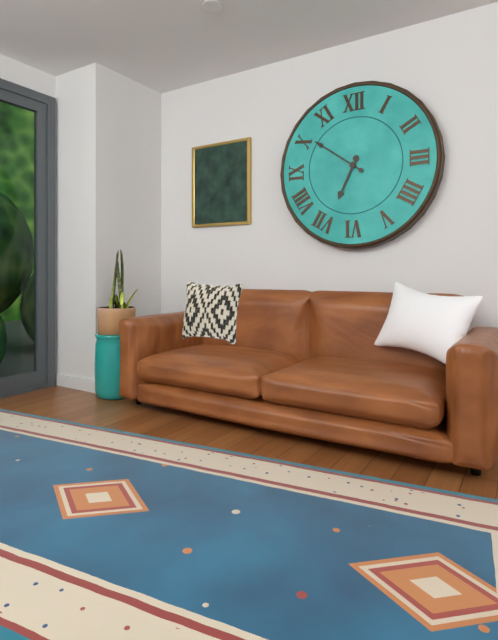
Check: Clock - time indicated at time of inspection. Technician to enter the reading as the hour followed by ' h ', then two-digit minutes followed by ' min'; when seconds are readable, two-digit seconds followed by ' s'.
6 h 51 min
